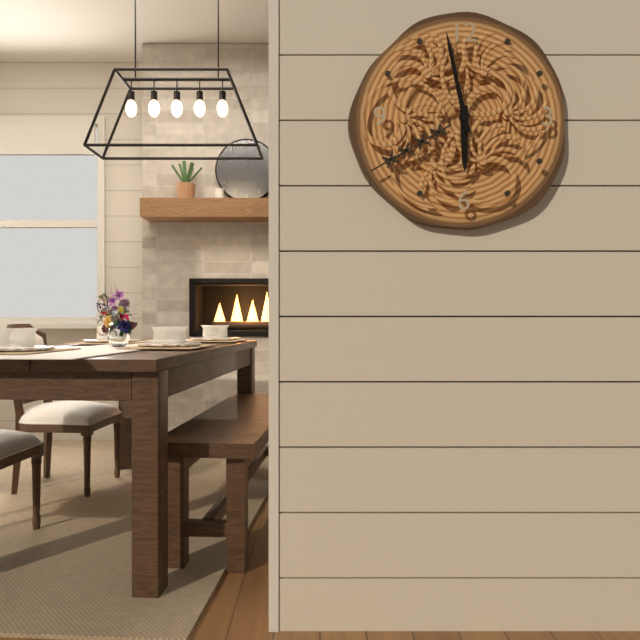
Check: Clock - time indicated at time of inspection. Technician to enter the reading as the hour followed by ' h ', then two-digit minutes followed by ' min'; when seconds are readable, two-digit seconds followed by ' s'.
5 h 58 min
